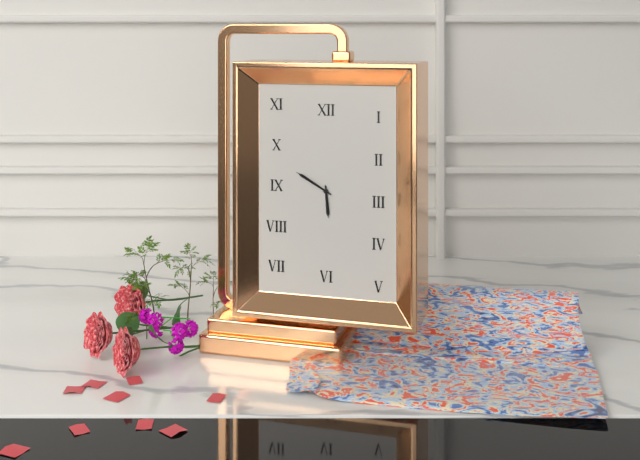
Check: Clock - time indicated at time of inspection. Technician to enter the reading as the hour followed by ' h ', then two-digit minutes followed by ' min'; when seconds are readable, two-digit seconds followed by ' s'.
5 h 50 min
